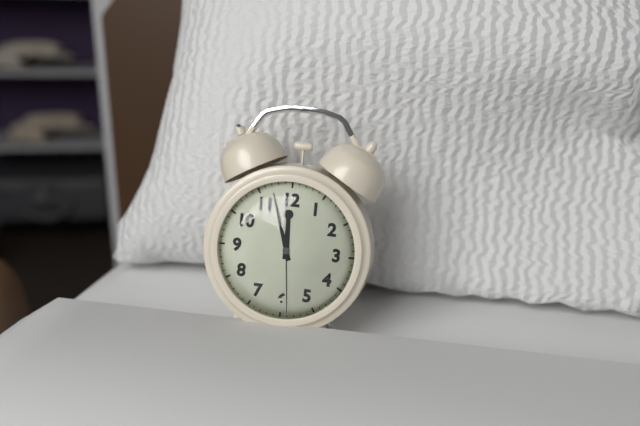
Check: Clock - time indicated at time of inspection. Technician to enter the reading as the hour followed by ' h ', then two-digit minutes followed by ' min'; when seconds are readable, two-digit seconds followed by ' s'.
11 h 57 min 29 s
